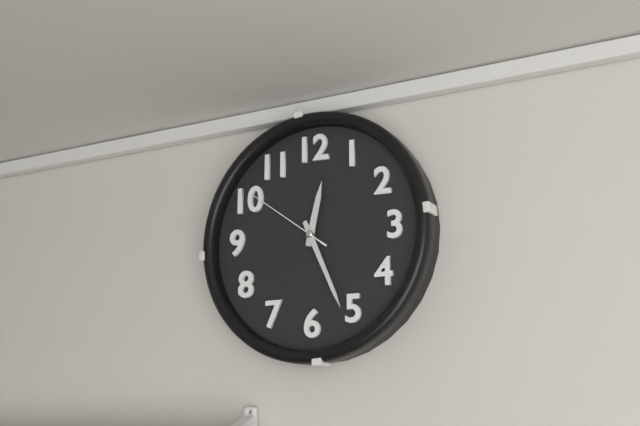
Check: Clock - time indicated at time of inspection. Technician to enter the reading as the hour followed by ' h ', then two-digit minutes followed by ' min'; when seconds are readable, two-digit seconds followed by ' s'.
12 h 26 min 51 s
